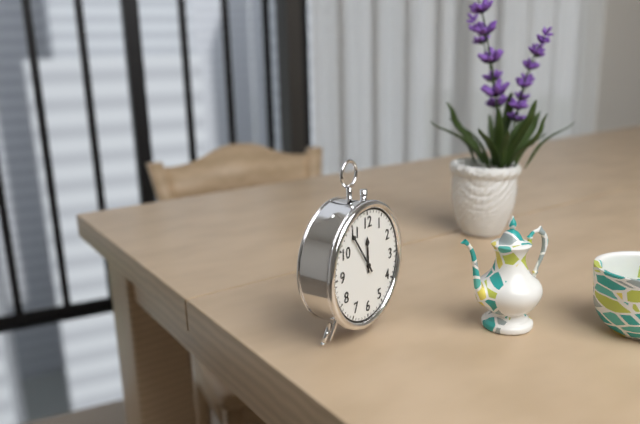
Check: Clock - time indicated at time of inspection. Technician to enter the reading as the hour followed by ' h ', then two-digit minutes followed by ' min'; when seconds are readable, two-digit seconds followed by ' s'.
11 h 54 min
